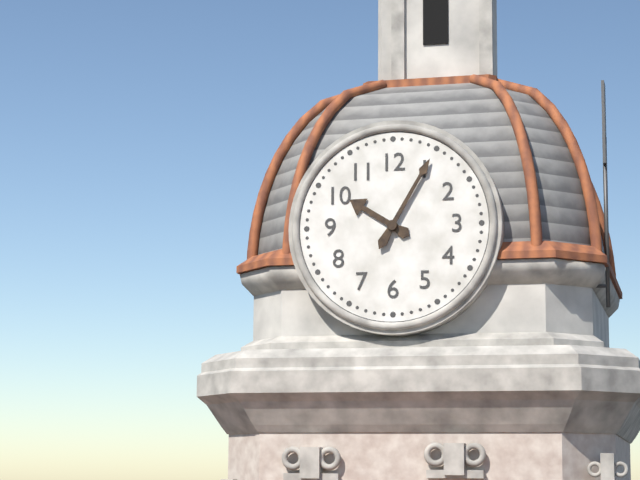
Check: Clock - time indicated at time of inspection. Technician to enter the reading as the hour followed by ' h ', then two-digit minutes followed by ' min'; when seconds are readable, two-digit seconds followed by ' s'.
10 h 05 min
